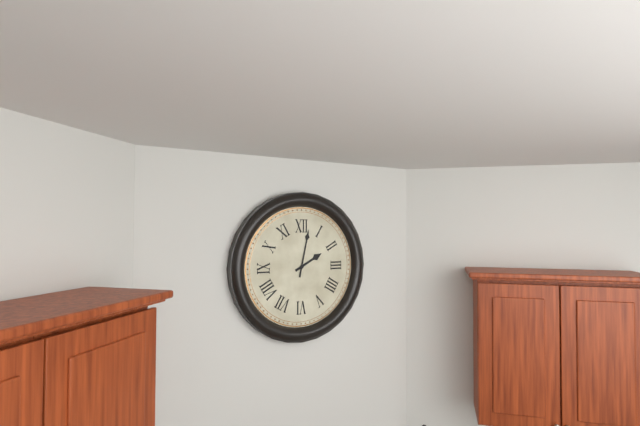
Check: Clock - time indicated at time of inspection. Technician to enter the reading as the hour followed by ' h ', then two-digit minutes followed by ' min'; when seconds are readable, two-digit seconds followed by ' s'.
2 h 02 min
